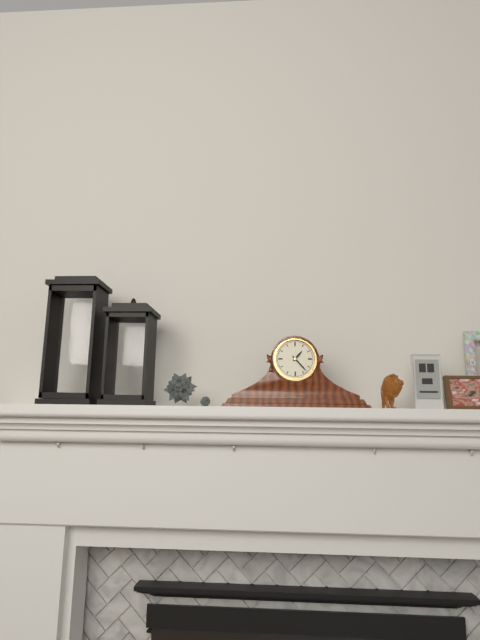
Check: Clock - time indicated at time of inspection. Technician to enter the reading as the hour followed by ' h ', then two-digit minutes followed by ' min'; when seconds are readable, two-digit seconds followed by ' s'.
1 h 23 min
